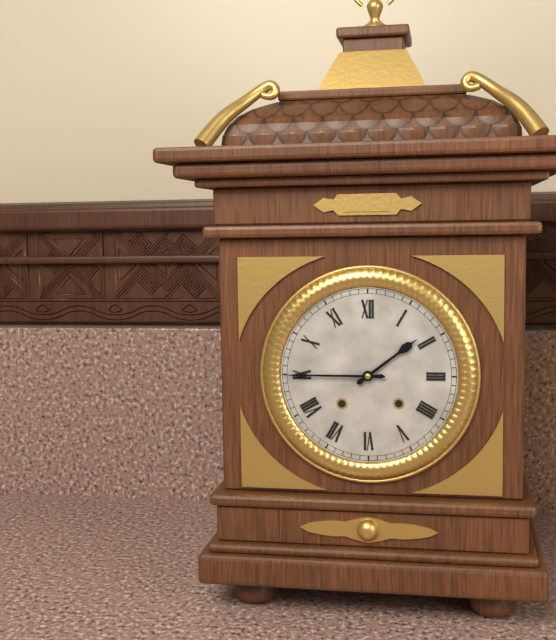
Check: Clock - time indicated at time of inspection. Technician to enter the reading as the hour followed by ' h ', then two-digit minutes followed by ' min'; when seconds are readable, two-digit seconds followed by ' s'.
1 h 45 min
